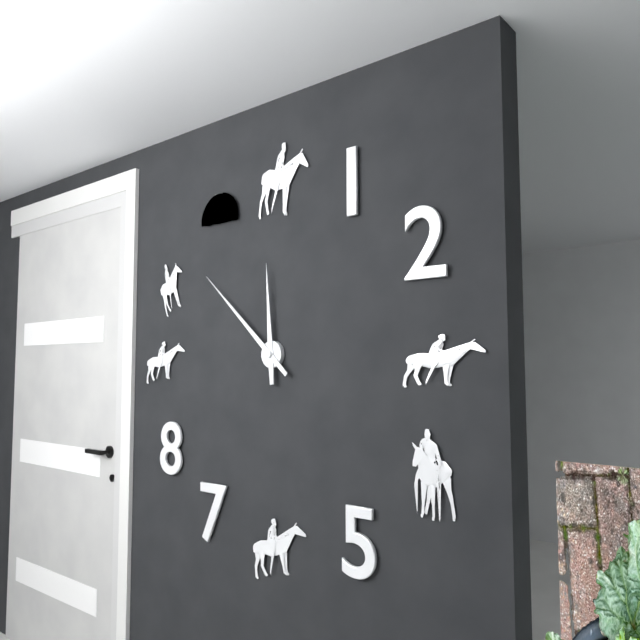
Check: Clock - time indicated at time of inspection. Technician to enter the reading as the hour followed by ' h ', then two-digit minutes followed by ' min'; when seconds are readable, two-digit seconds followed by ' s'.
11 h 52 min
